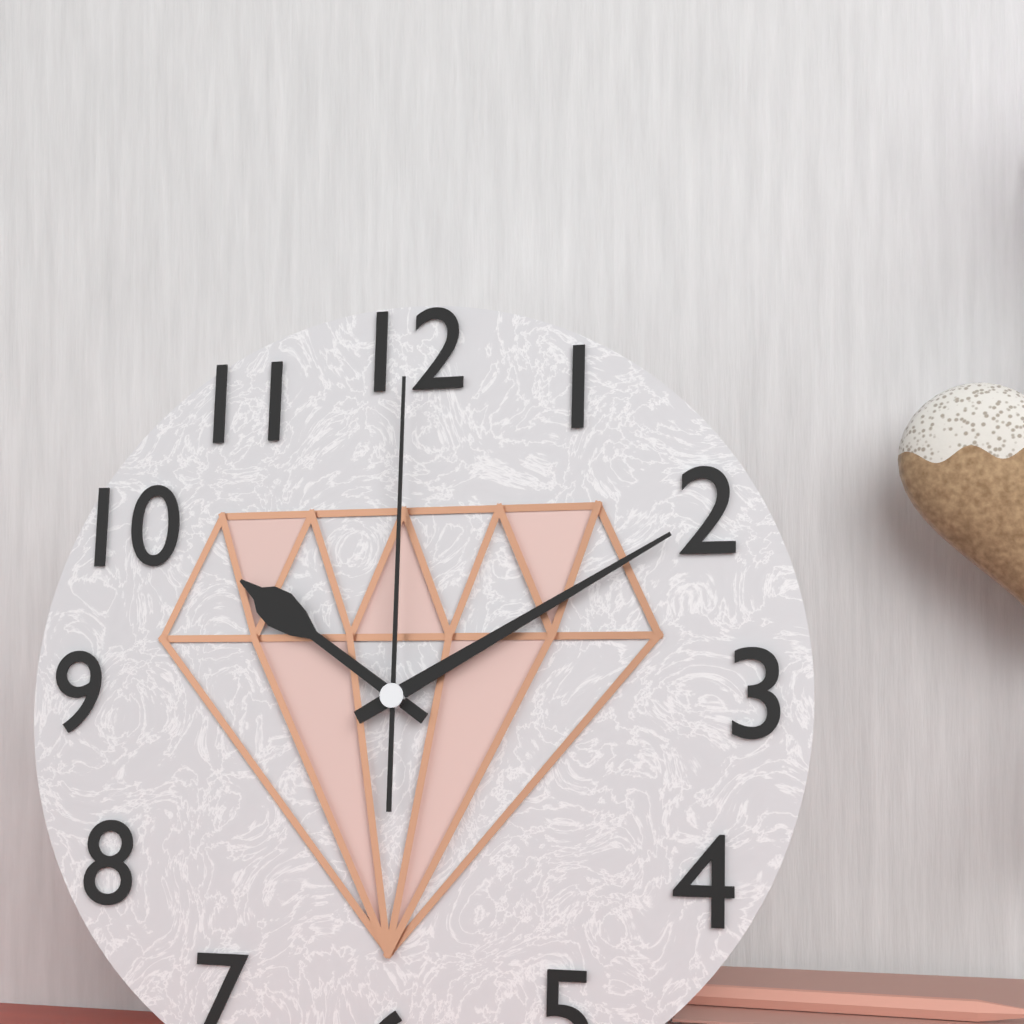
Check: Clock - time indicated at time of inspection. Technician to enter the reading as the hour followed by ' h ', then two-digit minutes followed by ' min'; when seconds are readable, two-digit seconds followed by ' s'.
10 h 10 min 00 s
